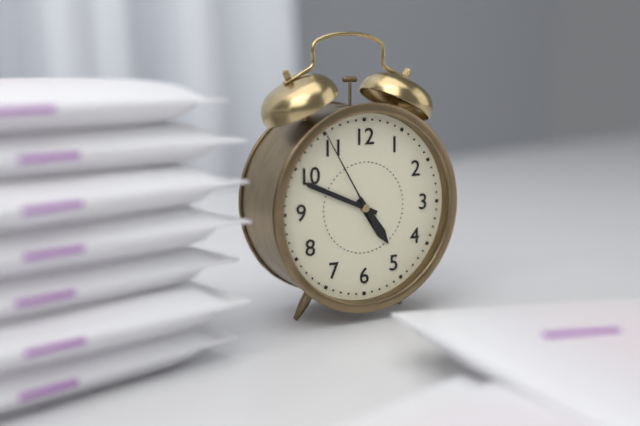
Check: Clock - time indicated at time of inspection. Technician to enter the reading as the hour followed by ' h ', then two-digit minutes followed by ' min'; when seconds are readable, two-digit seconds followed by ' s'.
4 h 49 min 55 s
